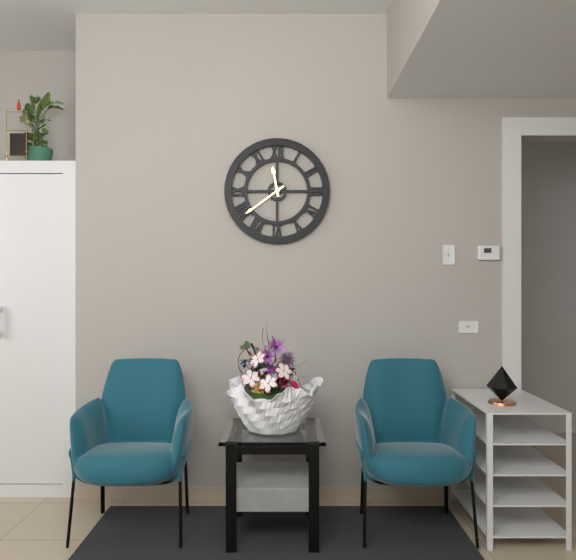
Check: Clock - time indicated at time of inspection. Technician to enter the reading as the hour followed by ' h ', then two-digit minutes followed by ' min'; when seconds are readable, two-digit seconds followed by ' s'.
11 h 39 min
